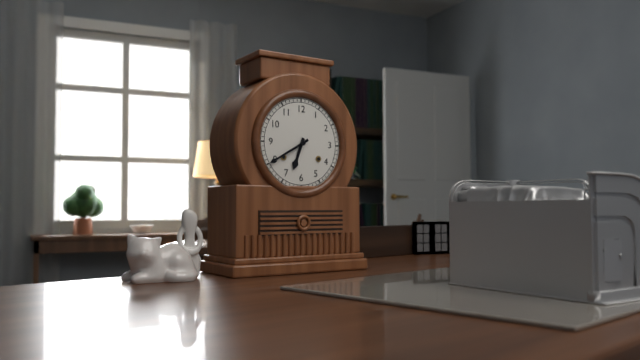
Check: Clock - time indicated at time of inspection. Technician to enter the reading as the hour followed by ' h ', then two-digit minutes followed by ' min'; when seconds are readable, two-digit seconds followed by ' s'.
6 h 40 min
